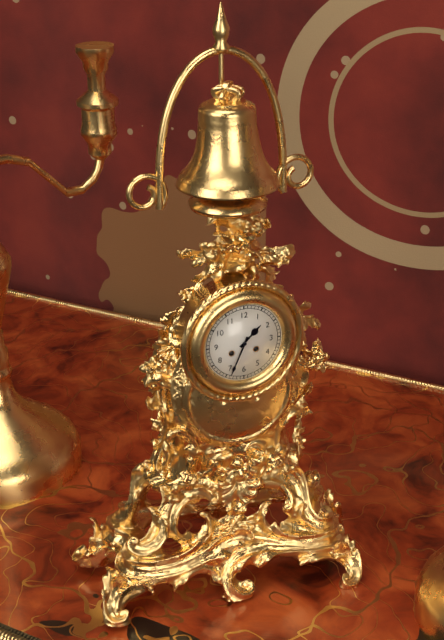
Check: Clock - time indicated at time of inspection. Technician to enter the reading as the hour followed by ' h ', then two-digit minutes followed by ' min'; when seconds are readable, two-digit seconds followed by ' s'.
1 h 34 min
